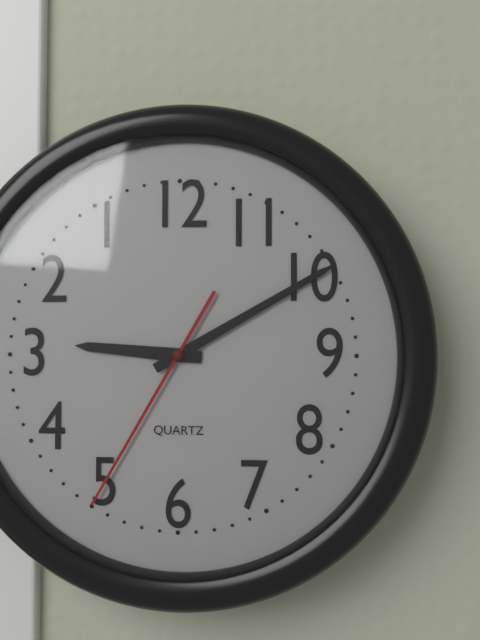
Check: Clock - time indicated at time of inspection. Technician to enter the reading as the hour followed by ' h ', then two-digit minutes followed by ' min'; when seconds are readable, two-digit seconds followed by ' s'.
9 h 10 min 35 s
